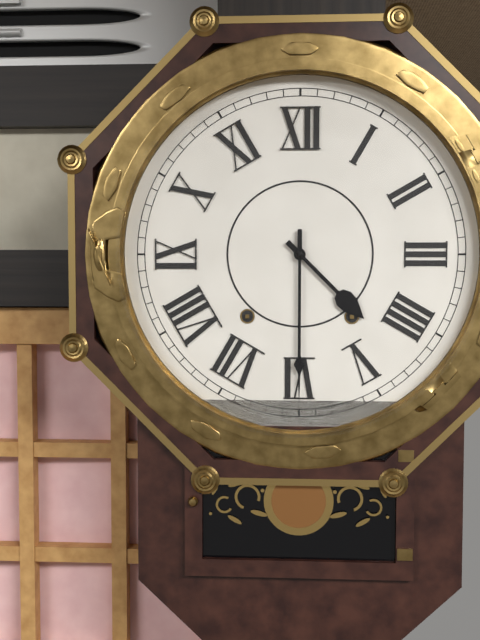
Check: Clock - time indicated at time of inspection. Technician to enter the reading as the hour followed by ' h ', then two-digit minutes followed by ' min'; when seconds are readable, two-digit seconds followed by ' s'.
4 h 30 min
